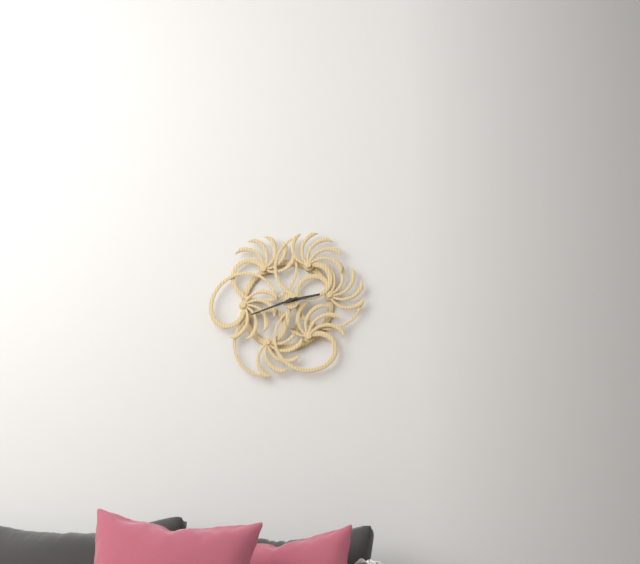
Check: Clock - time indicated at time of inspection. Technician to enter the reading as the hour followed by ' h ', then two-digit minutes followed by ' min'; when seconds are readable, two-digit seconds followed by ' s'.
2 h 42 min
